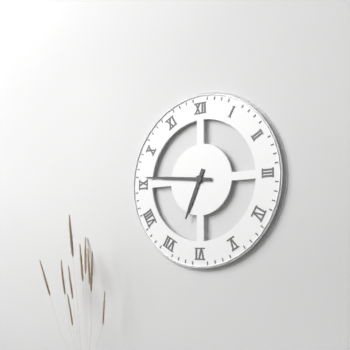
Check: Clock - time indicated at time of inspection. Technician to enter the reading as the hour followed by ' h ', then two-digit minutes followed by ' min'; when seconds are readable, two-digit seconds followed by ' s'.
6 h 46 min
